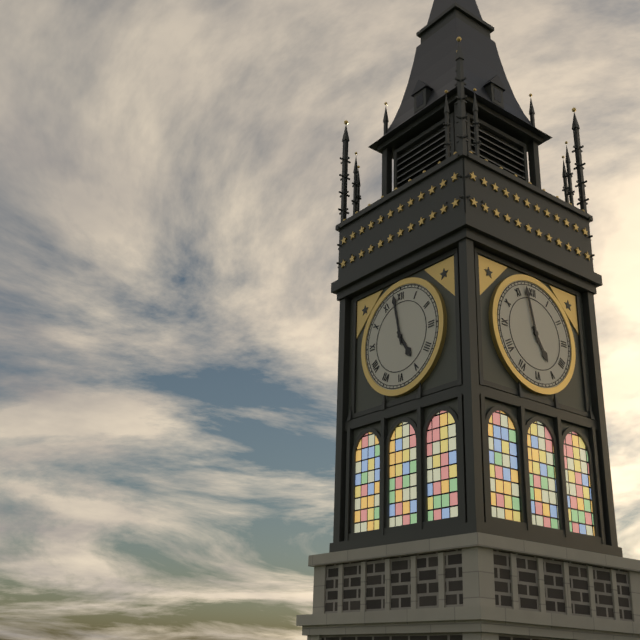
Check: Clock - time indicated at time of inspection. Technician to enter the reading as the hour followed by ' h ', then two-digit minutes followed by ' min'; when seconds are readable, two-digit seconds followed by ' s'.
4 h 58 min
